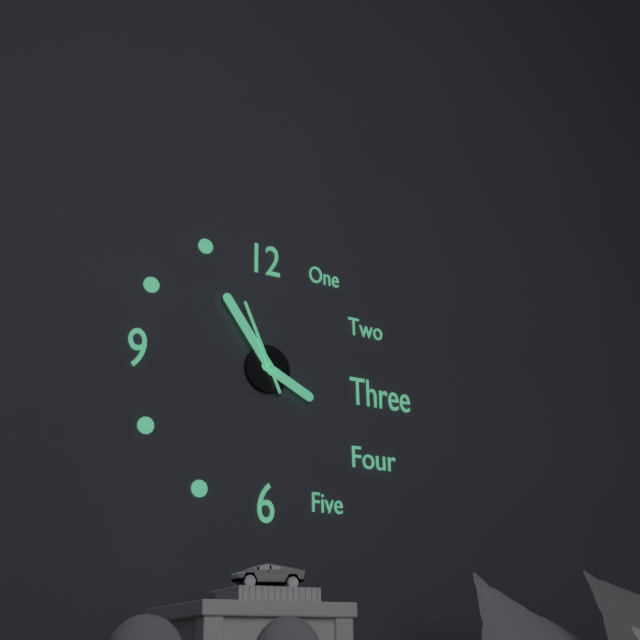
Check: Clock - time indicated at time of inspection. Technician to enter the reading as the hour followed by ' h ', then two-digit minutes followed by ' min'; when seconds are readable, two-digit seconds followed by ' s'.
3 h 54 min 56 s
